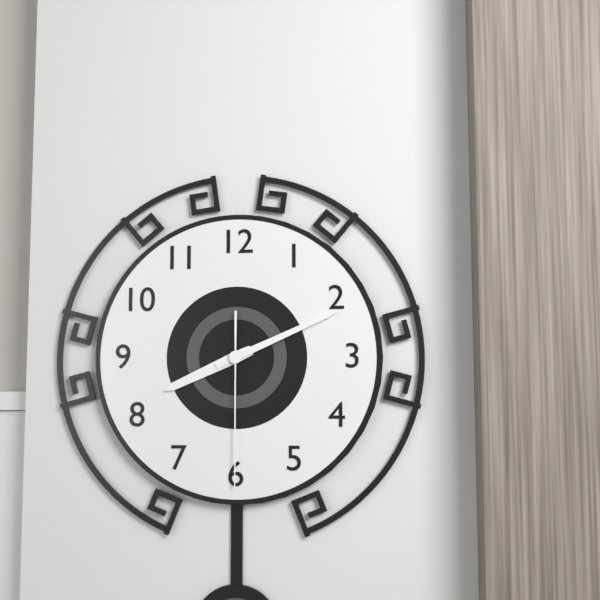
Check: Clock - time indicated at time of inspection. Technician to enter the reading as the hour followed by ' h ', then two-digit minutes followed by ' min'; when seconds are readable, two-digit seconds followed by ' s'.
8 h 11 min 30 s
